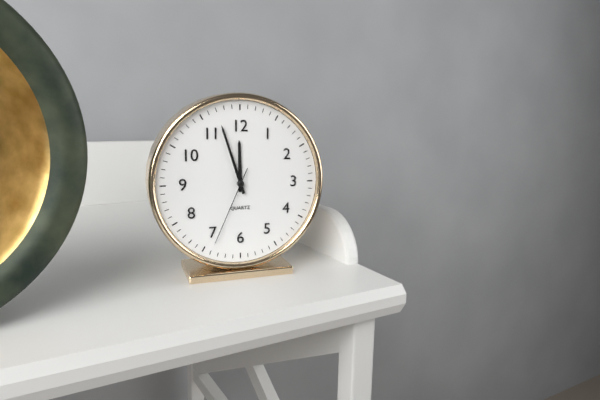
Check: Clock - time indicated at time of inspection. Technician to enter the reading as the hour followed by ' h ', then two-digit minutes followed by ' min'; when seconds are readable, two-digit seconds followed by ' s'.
11 h 57 min 34 s
